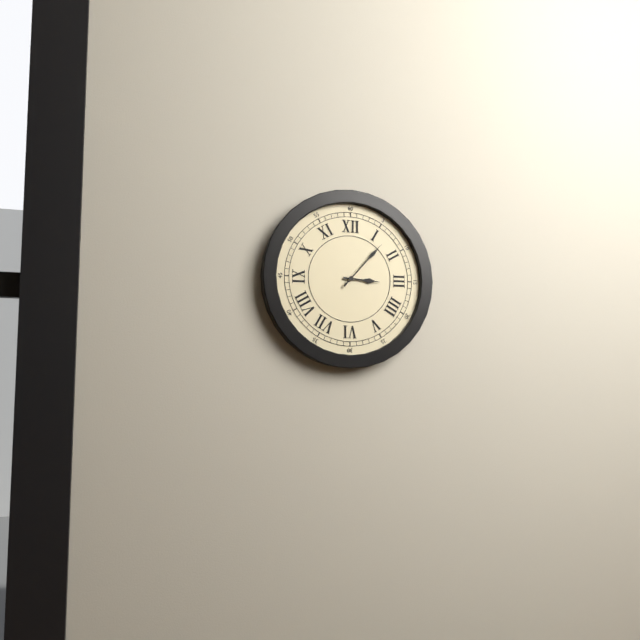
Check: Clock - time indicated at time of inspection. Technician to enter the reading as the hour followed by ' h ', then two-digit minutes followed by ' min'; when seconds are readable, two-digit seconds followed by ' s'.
3 h 07 min
